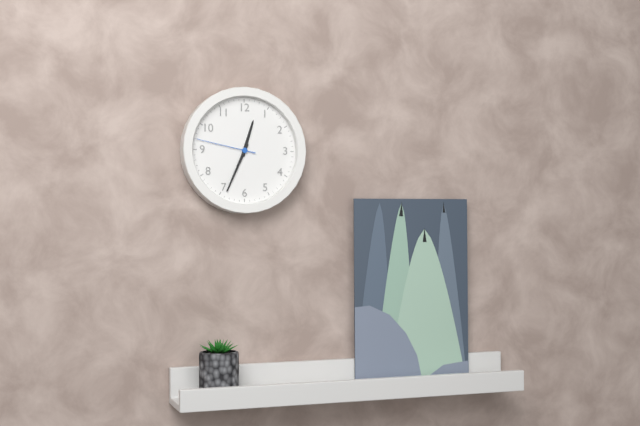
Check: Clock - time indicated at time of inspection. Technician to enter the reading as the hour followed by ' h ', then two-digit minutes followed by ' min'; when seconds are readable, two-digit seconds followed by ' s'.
12 h 34 min 47 s
